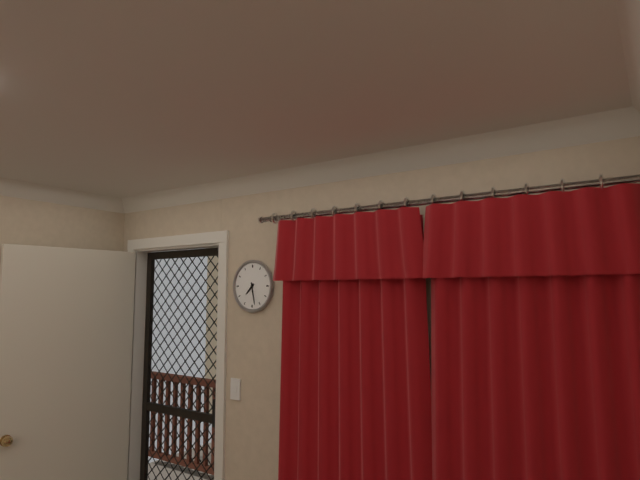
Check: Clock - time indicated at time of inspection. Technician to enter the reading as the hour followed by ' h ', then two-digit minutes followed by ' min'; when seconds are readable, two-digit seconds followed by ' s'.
7 h 28 min
